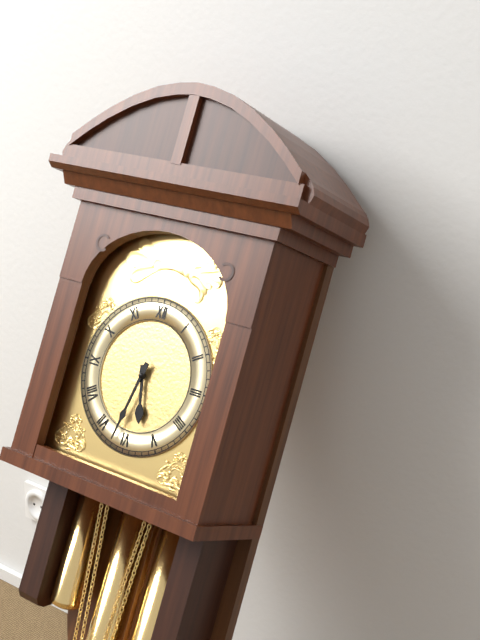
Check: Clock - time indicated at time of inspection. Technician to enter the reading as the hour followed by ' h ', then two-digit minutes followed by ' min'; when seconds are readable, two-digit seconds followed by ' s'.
5 h 32 min
